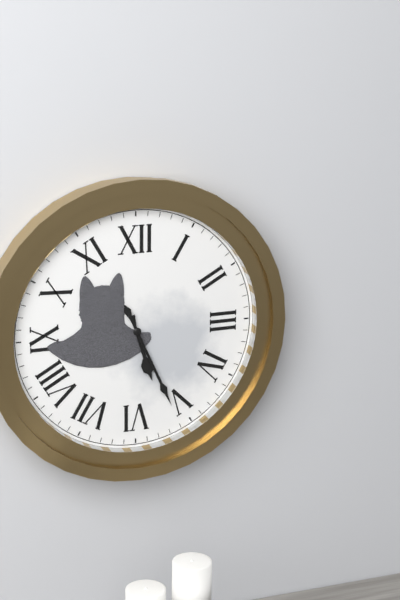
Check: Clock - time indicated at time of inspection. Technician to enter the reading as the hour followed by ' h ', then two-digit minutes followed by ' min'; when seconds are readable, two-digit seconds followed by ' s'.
5 h 26 min
